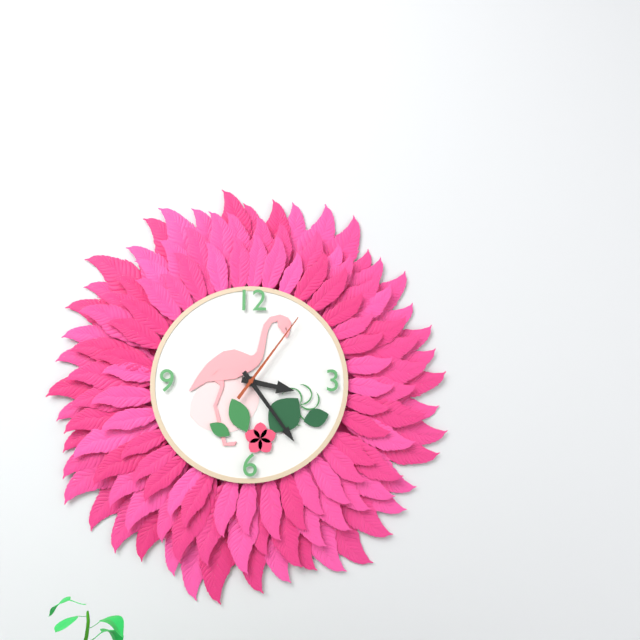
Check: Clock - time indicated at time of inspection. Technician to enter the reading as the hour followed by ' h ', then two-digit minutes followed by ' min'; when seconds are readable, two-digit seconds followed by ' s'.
3 h 24 min 06 s
